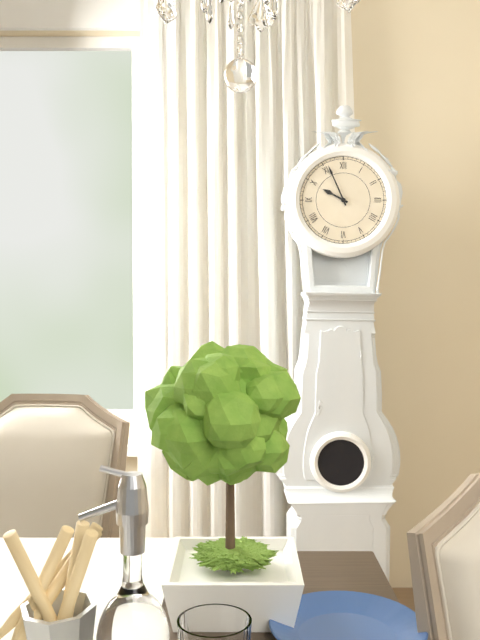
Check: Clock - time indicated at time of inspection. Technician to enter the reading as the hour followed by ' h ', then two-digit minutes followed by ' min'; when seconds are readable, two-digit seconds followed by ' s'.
9 h 56 min
